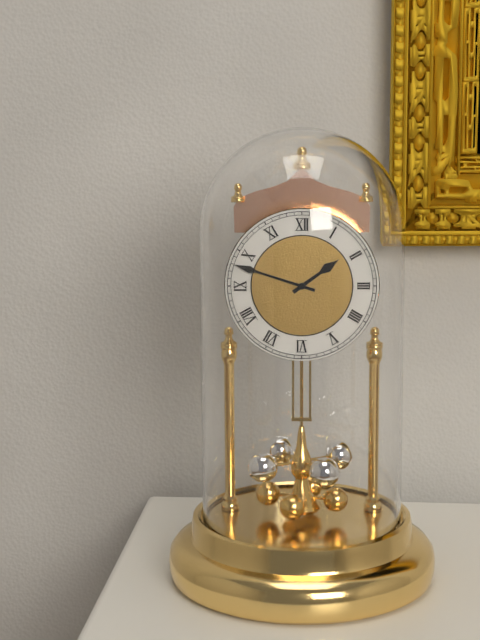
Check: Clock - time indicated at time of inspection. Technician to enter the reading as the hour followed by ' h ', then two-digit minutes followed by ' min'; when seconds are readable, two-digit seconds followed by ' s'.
1 h 48 min
